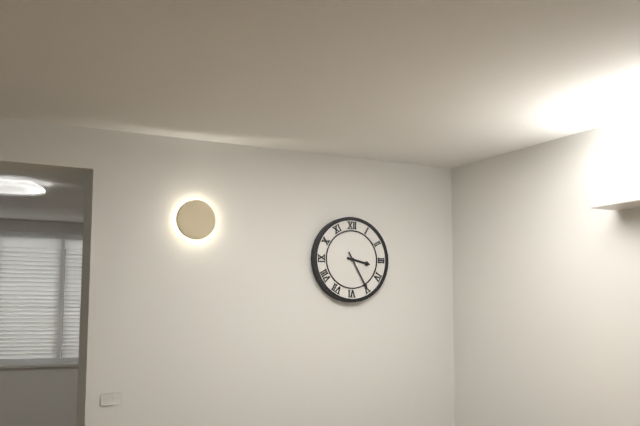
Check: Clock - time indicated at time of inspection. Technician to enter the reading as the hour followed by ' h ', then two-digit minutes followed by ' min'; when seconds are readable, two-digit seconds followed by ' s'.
3 h 25 min
